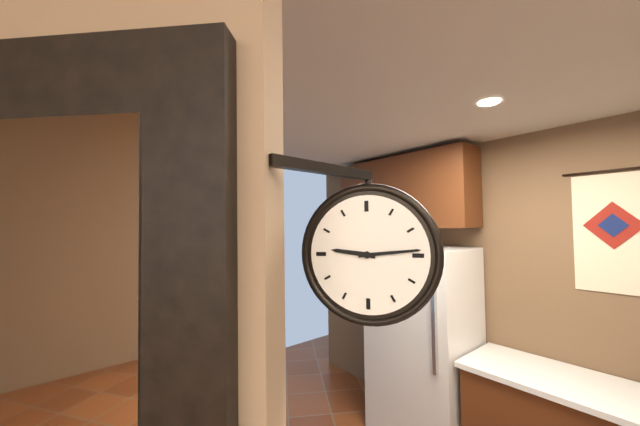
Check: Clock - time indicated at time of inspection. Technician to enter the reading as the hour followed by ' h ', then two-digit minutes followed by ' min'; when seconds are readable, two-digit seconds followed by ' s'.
9 h 14 min
